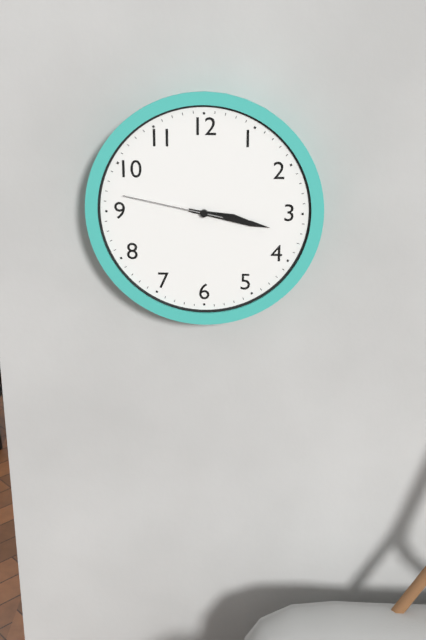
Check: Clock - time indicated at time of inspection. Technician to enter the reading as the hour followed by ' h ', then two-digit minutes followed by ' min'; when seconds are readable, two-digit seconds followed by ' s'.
3 h 17 min 47 s
